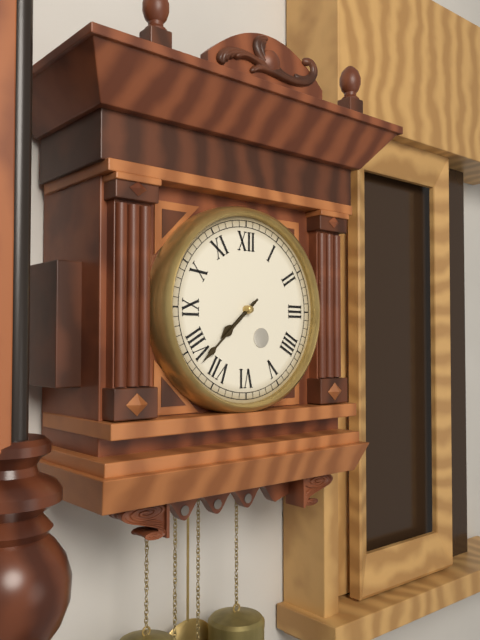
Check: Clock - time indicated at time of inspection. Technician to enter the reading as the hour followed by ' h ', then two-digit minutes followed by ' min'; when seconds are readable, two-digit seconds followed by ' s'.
7 h 38 min
